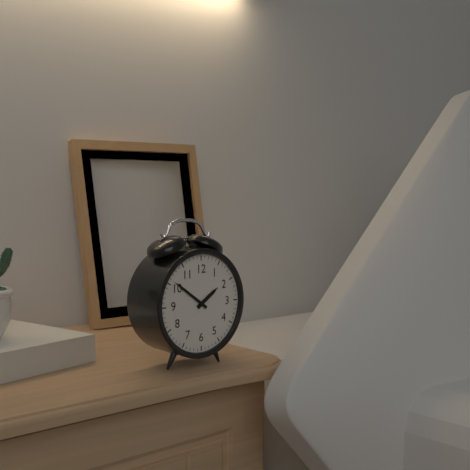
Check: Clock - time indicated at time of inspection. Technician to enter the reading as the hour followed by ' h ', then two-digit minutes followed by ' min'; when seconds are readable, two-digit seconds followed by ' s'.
1 h 51 min
